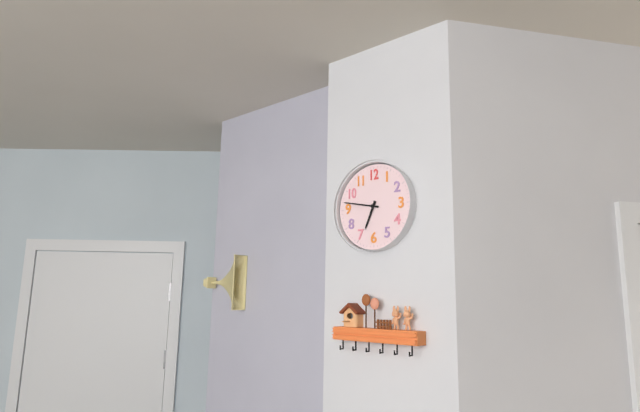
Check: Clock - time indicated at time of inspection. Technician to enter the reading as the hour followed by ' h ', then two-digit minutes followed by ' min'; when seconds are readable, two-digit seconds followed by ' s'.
6 h 47 min
